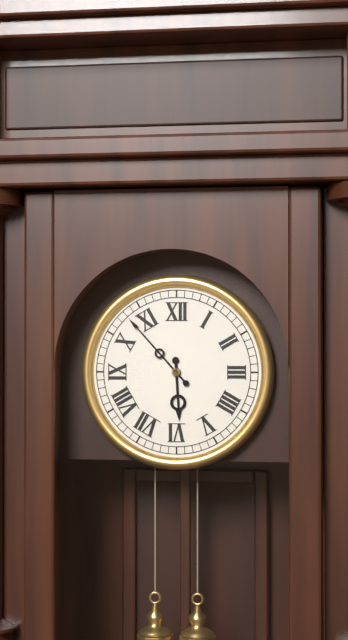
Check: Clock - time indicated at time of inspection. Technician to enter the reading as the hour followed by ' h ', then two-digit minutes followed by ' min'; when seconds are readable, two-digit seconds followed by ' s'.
5 h 53 min
